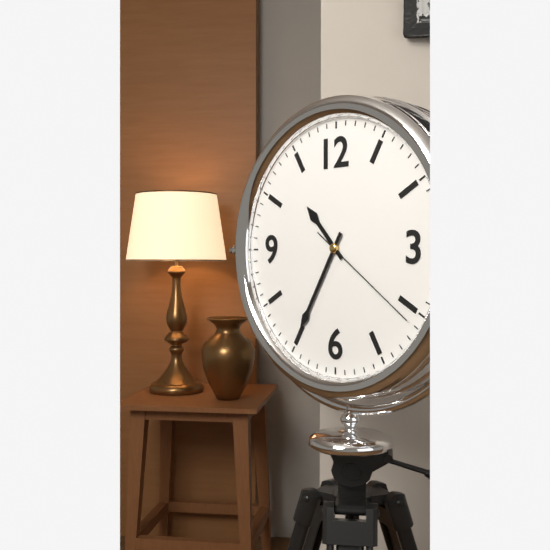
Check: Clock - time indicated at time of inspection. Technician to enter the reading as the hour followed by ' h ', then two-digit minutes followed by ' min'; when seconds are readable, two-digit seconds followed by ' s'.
10 h 35 min 21 s
